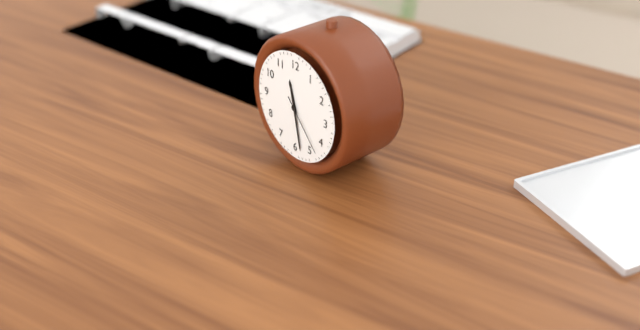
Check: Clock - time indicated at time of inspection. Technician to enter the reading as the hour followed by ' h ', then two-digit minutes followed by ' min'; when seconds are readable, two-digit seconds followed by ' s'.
11 h 28 min 23 s
